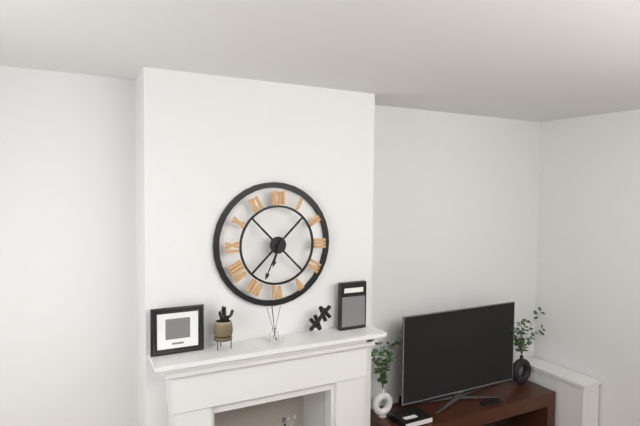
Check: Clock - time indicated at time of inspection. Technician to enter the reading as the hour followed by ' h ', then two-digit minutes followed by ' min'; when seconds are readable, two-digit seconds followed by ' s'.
6 h 34 min
